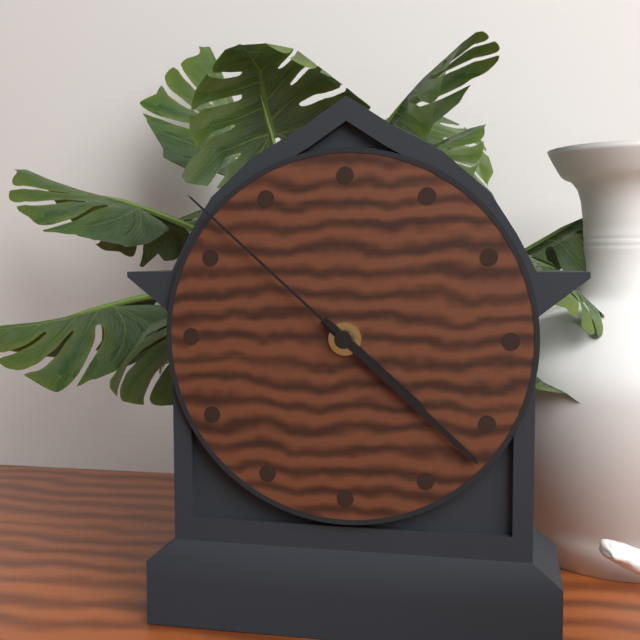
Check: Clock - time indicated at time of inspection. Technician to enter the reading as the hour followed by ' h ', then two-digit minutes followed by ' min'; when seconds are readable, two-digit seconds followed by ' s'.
4 h 22 min 52 s
